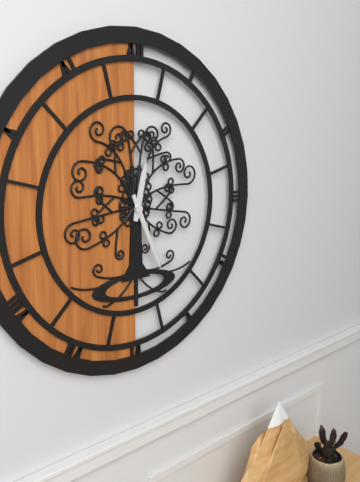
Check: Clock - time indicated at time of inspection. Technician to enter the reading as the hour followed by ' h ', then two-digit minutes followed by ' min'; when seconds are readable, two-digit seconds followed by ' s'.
12 h 26 min
